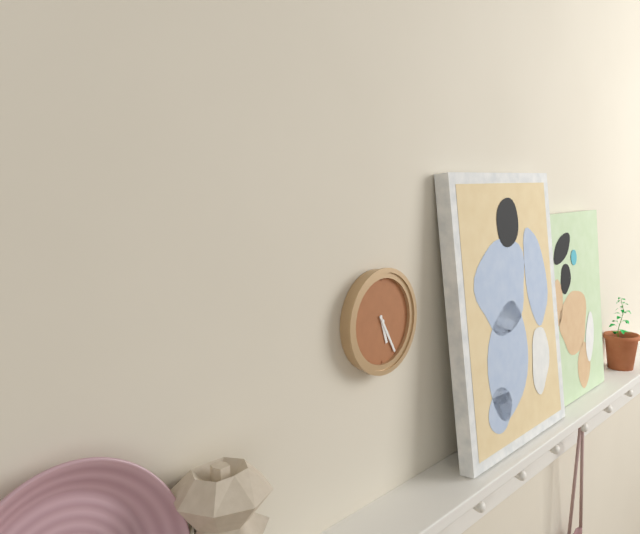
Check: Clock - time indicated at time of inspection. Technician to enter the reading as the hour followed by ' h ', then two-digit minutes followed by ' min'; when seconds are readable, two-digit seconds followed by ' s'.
5 h 25 min
